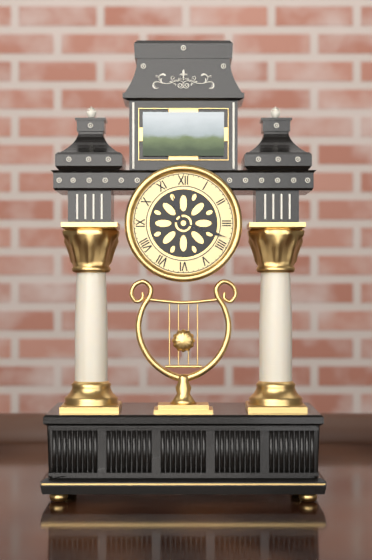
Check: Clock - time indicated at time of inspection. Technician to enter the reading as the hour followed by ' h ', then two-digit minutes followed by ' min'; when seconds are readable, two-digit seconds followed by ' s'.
11 h 18 min
